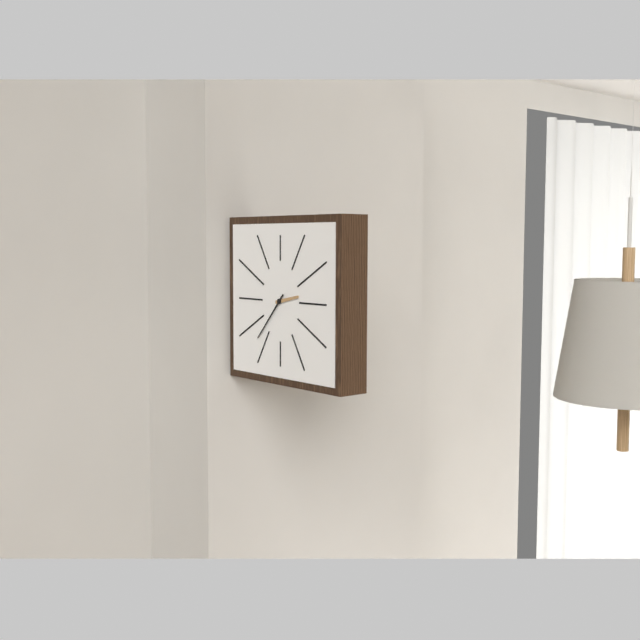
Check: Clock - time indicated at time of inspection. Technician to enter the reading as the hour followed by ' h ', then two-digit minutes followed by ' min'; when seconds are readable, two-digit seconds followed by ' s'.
2 h 37 min
